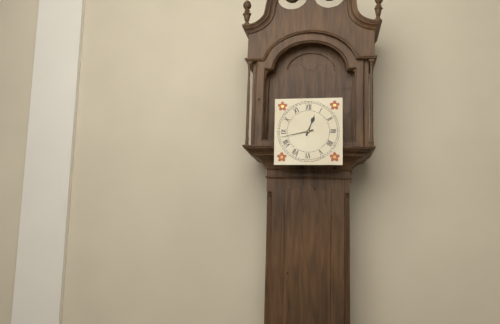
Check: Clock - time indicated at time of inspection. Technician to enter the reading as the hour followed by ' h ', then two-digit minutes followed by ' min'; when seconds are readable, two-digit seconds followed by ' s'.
12 h 43 min
